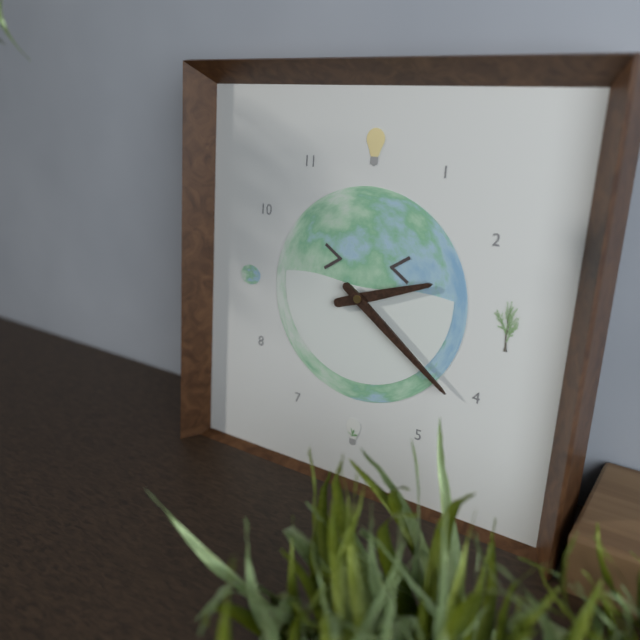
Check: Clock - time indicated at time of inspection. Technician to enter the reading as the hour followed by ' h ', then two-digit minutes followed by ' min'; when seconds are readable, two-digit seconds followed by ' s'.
2 h 21 min
